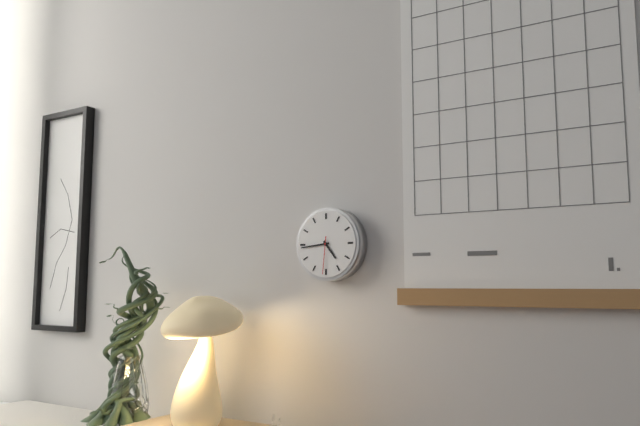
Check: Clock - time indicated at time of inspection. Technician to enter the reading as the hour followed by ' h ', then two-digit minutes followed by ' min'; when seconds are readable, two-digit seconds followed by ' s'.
4 h 44 min
